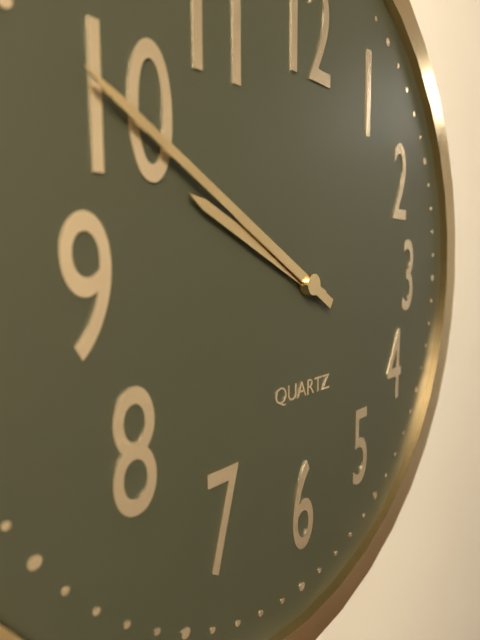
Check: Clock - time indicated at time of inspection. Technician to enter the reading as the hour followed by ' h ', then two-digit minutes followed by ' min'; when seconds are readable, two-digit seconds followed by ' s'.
9 h 50 min
